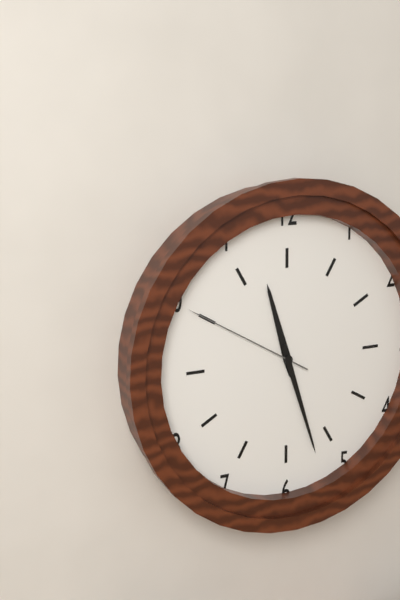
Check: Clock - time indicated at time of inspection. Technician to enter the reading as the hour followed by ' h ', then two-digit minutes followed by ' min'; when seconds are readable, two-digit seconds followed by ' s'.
11 h 27 min 50 s
